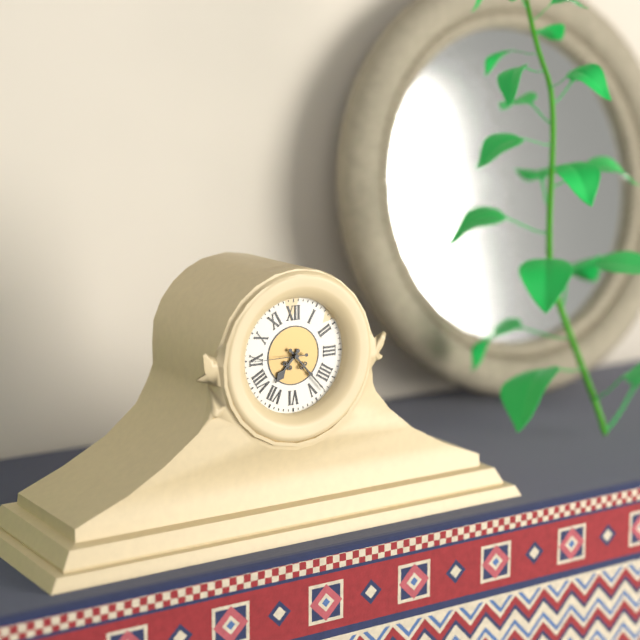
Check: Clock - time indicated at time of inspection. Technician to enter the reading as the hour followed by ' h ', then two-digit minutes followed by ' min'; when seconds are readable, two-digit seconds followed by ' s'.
7 h 23 min 45 s
